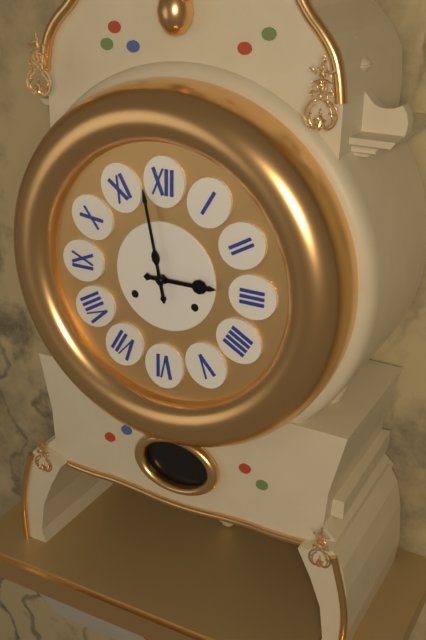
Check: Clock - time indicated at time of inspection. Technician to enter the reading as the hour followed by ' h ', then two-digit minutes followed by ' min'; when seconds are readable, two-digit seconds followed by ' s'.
2 h 58 min
